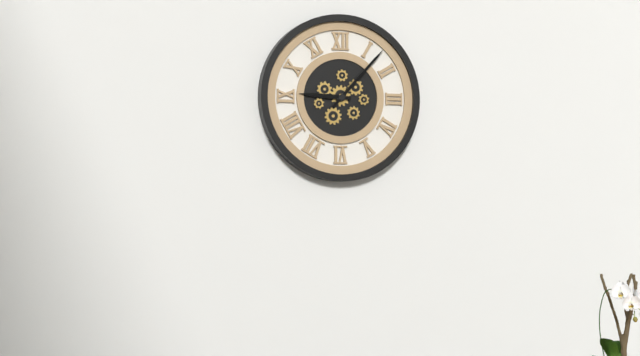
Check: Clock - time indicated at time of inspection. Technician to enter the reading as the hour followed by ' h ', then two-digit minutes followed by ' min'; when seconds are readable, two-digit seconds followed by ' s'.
9 h 07 min
